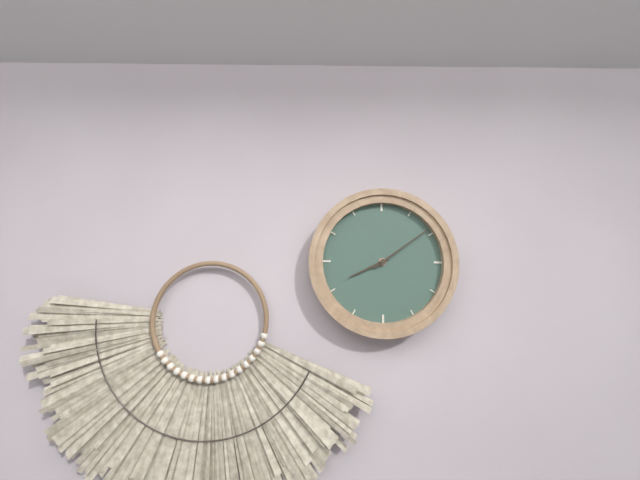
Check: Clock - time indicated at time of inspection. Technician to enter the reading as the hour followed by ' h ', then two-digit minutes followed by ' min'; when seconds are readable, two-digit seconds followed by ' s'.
8 h 09 min
